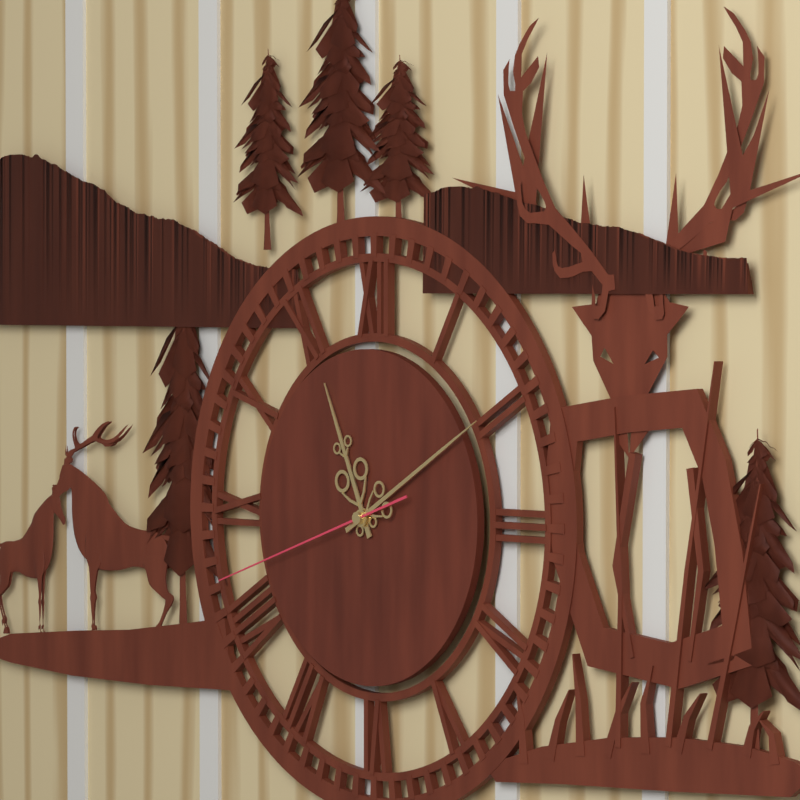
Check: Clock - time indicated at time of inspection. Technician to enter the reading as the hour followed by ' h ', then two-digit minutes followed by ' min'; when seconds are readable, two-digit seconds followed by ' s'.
11 h 10 min 42 s
